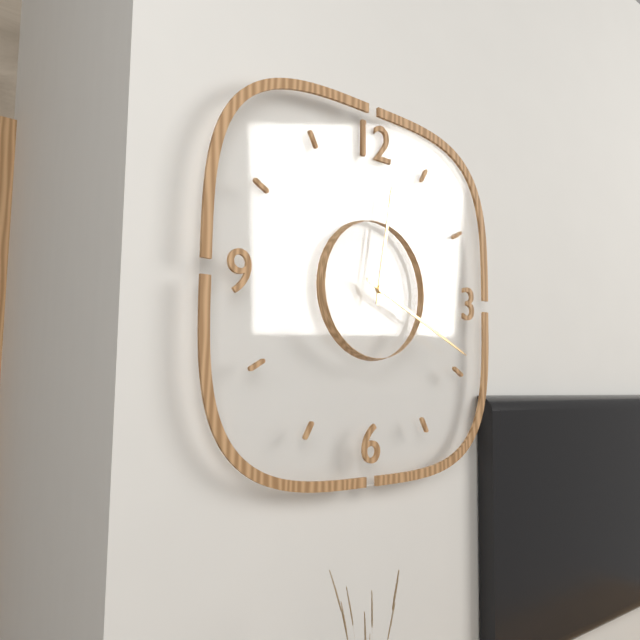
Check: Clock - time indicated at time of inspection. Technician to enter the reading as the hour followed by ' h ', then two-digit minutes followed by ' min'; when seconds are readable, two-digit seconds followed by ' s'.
12 h 19 min
